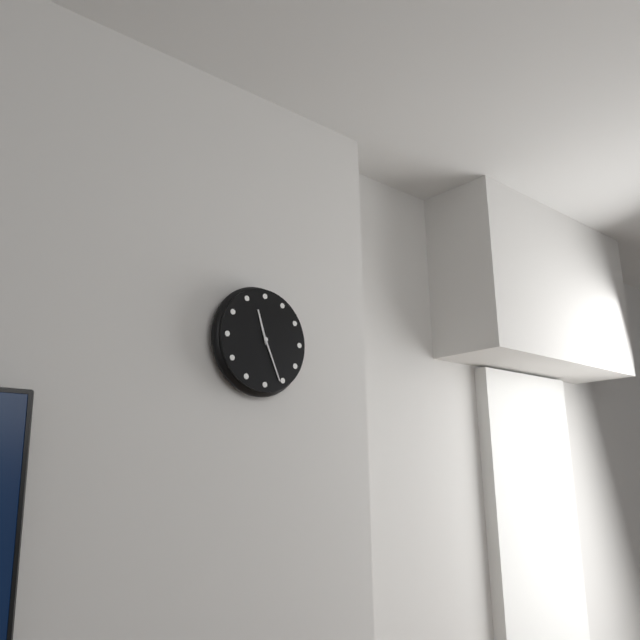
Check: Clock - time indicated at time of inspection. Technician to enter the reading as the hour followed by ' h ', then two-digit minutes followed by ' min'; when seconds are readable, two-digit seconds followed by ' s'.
11 h 26 min
